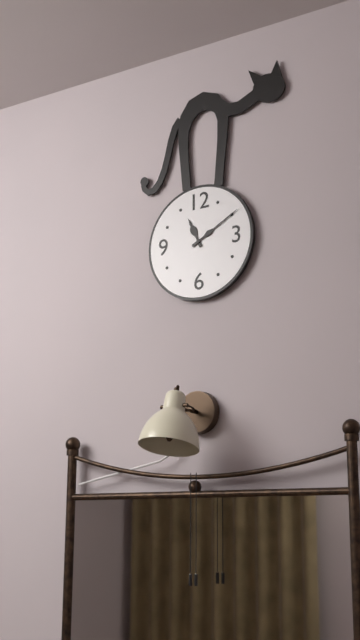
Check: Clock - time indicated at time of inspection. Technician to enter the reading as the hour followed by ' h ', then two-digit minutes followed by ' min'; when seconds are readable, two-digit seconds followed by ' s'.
11 h 10 min
